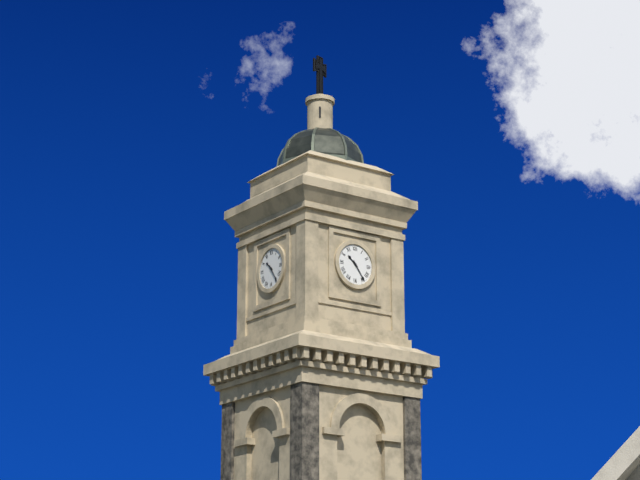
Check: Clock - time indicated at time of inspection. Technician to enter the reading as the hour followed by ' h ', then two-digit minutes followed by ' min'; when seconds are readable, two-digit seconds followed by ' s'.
10 h 24 min
